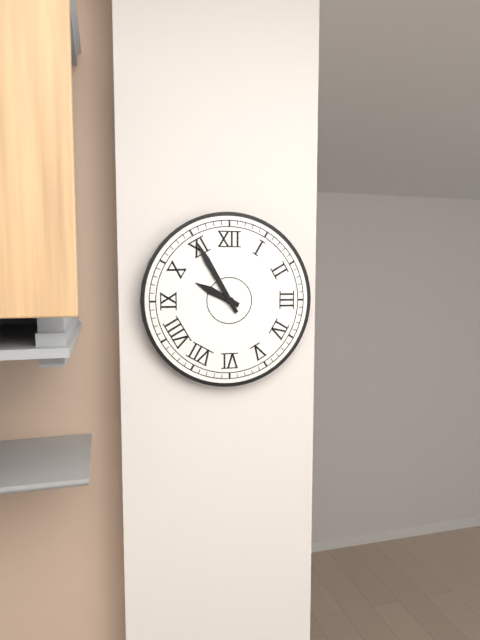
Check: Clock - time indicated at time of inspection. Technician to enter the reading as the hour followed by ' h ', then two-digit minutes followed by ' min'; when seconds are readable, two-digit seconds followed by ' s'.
9 h 55 min
